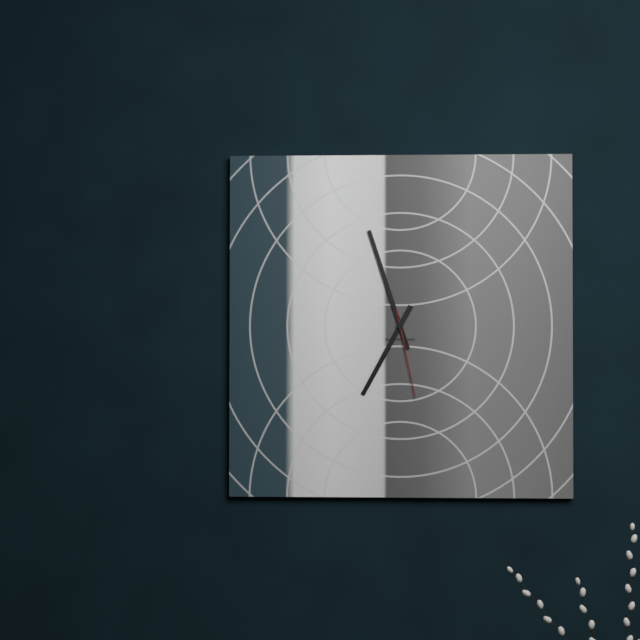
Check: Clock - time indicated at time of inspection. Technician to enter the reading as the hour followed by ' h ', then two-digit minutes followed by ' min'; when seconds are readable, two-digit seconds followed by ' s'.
6 h 57 min 28 s
